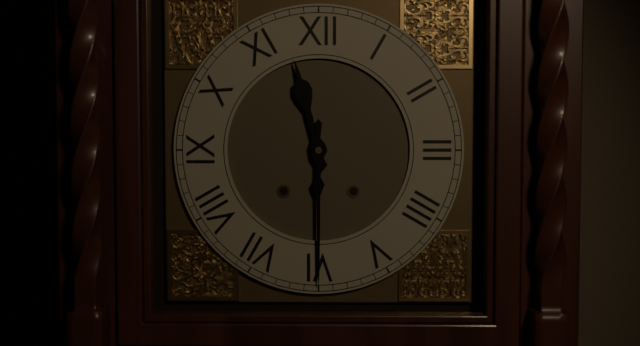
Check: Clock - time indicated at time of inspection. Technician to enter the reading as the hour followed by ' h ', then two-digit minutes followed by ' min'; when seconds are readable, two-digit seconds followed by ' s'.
11 h 30 min
